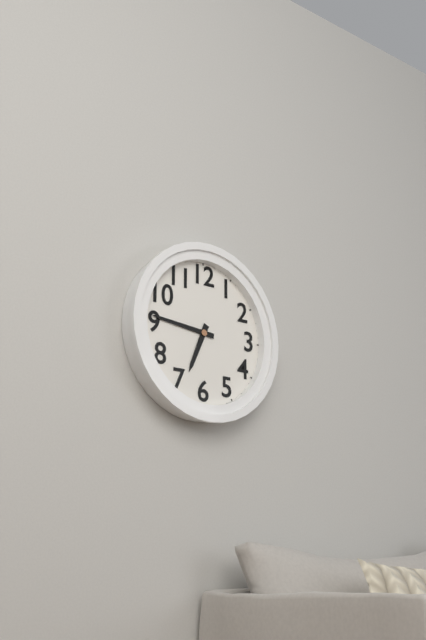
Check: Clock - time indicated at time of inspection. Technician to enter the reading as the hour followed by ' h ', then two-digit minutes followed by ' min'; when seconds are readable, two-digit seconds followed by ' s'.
6 h 46 min
